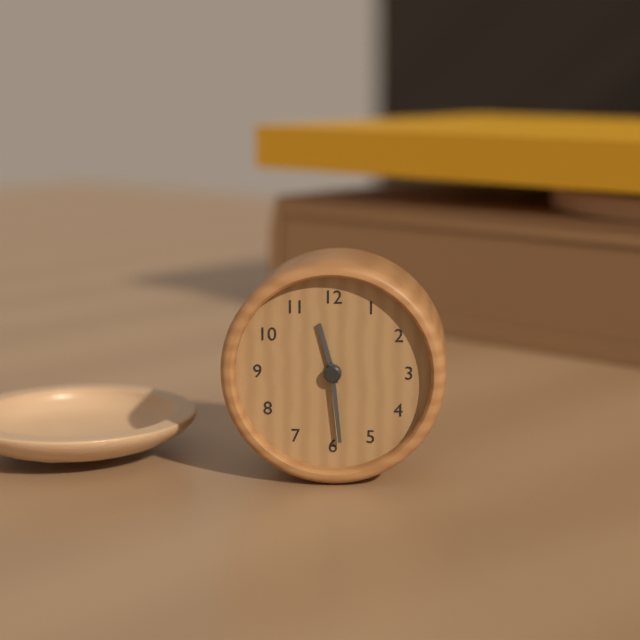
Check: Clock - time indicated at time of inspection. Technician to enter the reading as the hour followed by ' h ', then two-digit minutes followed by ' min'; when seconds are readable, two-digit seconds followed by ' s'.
11 h 29 min
